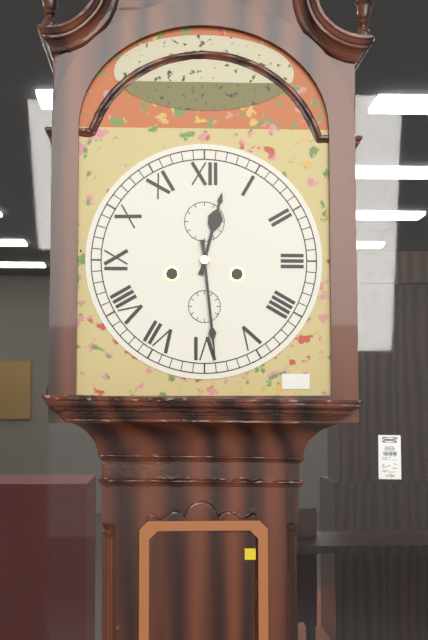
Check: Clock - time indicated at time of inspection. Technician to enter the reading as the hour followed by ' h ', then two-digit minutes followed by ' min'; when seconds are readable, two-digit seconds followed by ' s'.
12 h 29 min
